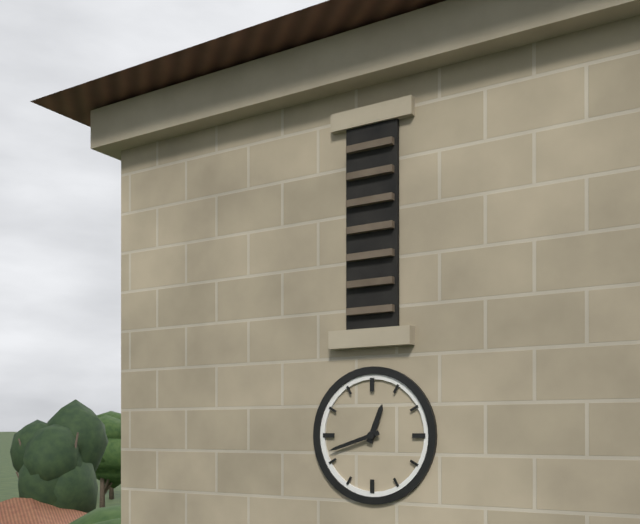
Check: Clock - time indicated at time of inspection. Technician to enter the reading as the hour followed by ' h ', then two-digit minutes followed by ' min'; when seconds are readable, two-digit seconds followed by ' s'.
12 h 42 min
